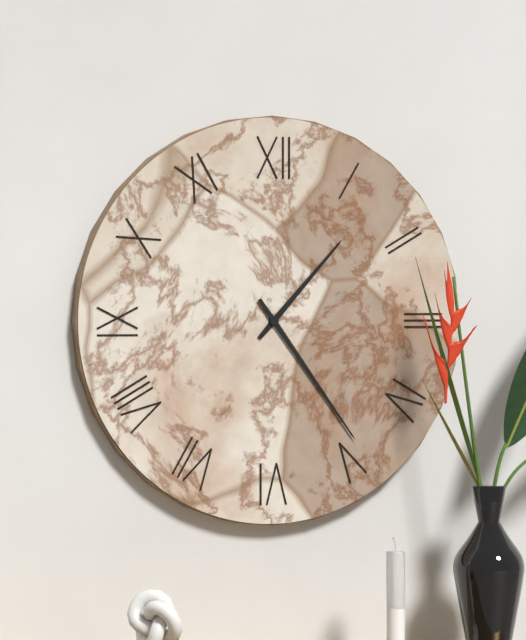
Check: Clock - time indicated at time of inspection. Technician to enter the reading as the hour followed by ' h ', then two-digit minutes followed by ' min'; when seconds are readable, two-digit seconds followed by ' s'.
1 h 24 min
